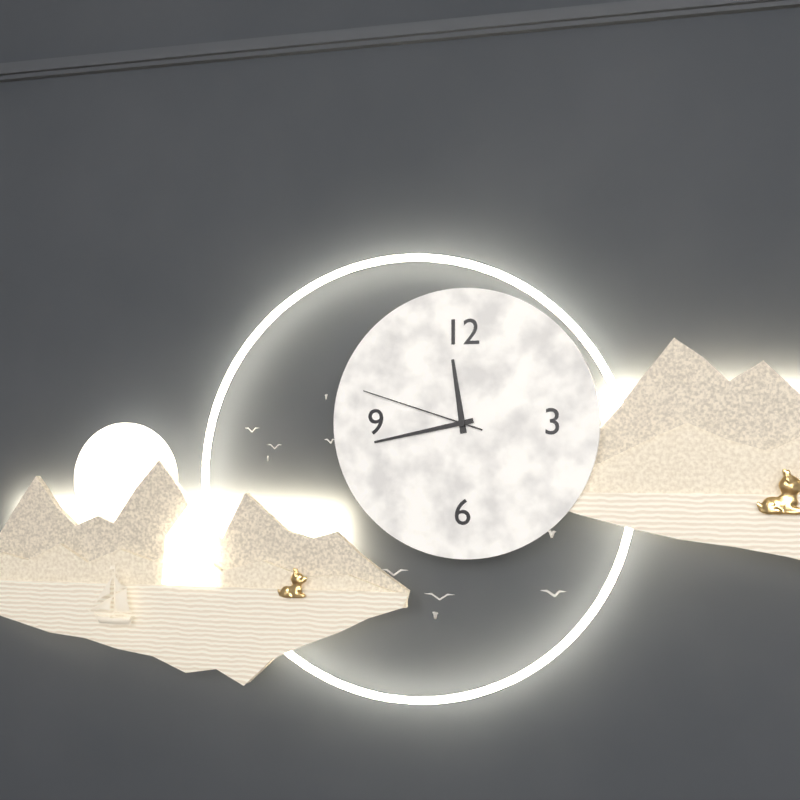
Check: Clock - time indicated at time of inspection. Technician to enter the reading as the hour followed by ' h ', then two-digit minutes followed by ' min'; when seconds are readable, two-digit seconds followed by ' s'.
11 h 43 min 48 s
